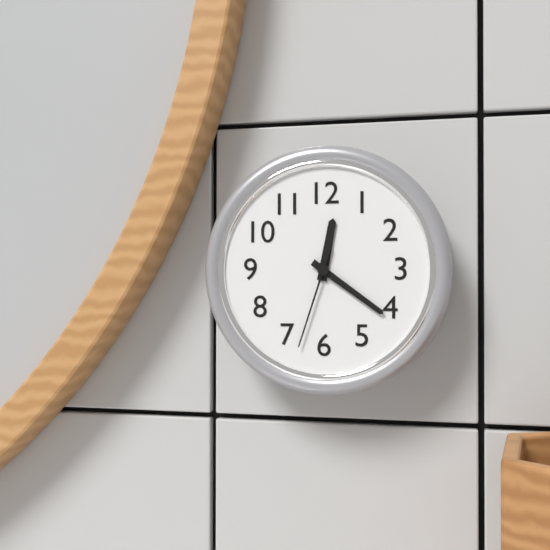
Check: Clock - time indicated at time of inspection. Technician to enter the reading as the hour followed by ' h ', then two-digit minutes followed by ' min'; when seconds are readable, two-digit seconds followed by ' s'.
12 h 21 min 33 s
